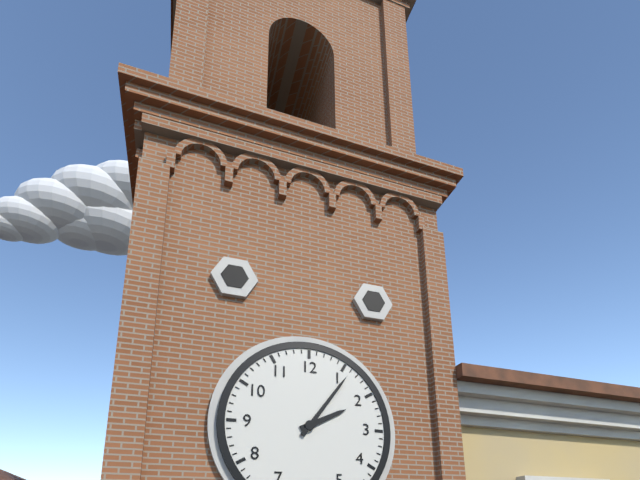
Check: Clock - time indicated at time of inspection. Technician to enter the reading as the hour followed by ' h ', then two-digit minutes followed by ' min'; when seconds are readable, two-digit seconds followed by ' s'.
2 h 06 min
